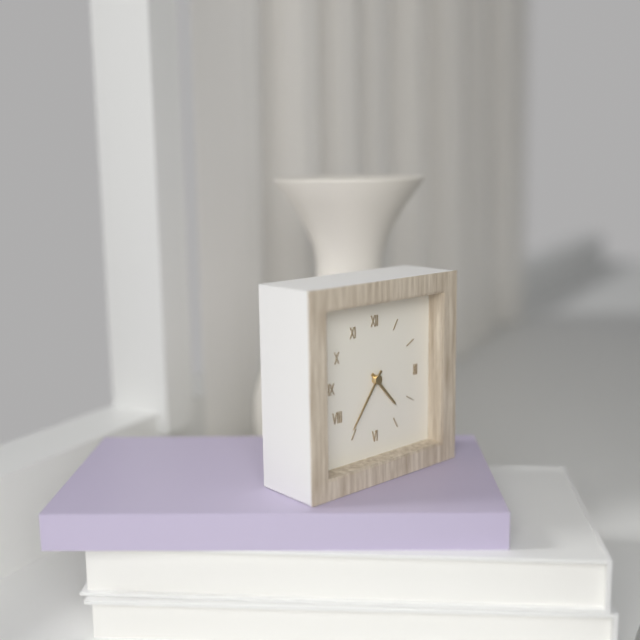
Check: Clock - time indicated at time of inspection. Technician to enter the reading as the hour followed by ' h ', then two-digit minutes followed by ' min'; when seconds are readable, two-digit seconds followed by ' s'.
4 h 36 min
